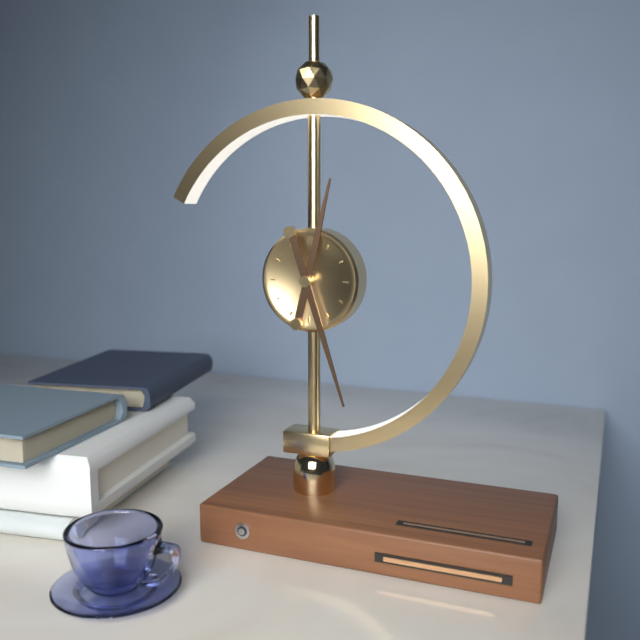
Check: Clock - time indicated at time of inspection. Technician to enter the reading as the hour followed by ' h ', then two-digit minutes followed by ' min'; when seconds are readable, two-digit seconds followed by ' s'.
12 h 27 min
